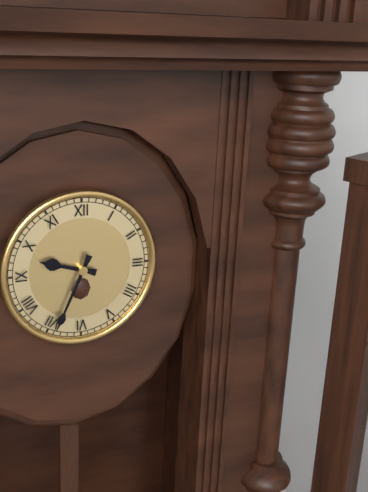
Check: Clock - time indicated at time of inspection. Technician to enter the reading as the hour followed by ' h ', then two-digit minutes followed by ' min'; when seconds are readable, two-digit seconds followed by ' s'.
9 h 34 min
